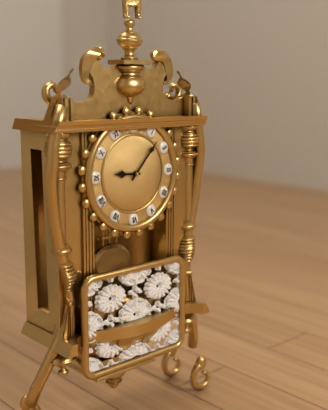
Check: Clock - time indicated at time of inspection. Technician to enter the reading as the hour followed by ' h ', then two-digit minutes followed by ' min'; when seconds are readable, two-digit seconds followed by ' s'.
9 h 07 min
